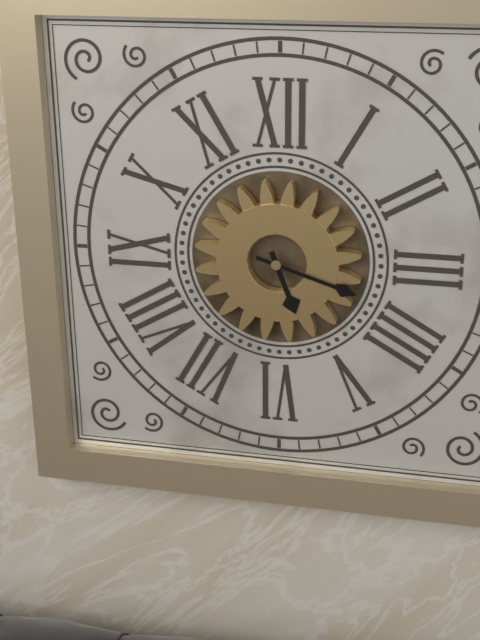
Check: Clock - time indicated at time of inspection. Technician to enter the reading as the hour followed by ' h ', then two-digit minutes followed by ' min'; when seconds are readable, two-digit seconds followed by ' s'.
5 h 18 min
